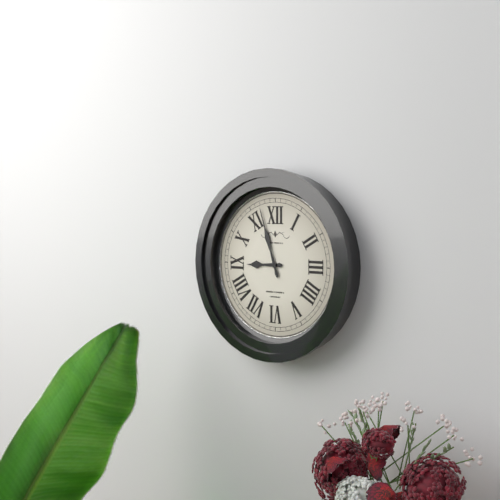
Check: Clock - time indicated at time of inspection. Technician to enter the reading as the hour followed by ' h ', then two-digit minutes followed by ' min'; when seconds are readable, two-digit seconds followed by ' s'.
8 h 57 min
